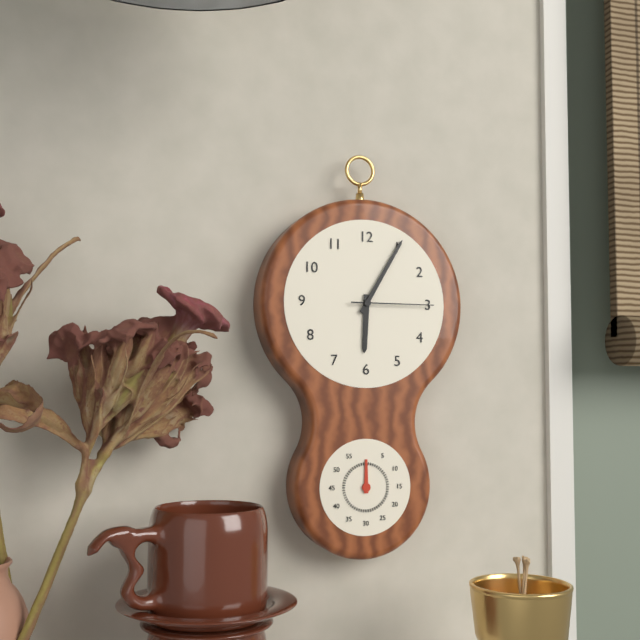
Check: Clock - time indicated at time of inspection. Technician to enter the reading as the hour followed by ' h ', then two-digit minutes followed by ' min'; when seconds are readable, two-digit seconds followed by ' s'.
6 h 05 min 15 s
